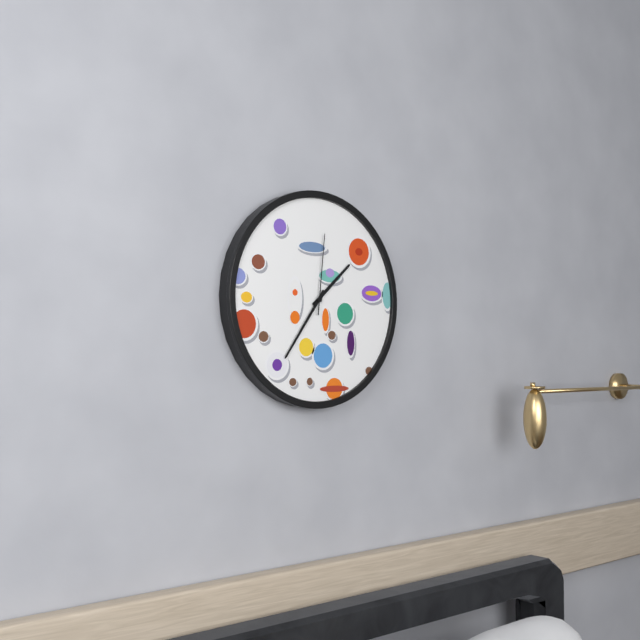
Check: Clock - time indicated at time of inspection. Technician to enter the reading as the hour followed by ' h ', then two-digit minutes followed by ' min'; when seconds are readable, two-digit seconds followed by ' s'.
1 h 36 min 01 s
